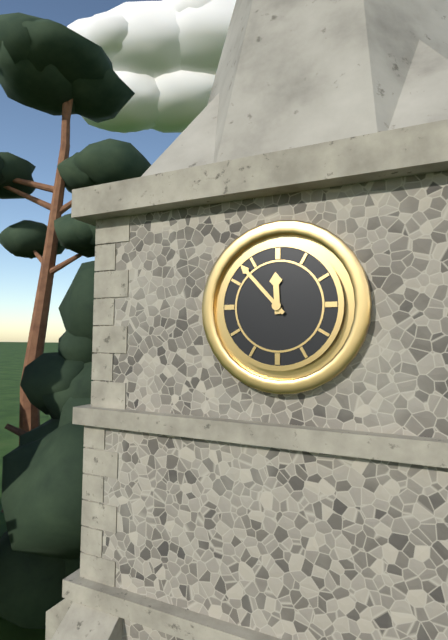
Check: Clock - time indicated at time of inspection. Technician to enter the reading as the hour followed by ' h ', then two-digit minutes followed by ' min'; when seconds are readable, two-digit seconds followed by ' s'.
11 h 53 min
